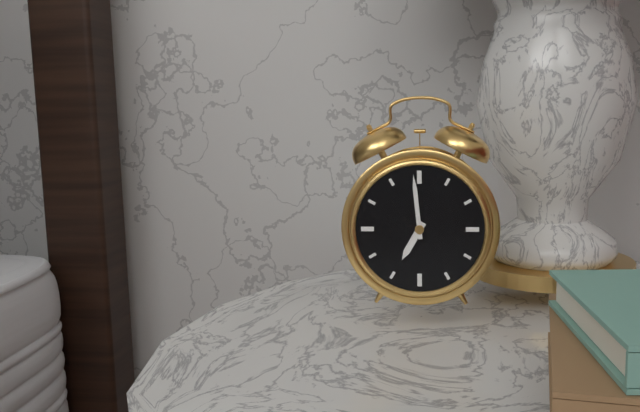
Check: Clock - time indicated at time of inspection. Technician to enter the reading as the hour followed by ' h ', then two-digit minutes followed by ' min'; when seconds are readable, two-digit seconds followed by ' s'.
6 h 59 min
